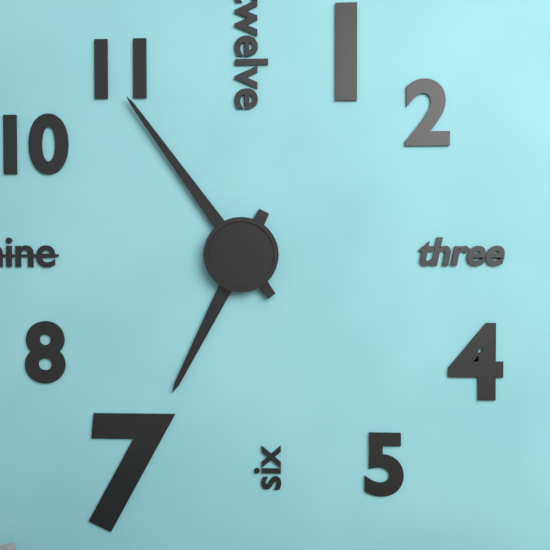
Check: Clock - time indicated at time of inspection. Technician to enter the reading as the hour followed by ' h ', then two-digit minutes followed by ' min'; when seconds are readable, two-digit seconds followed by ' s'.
6 h 54 min
